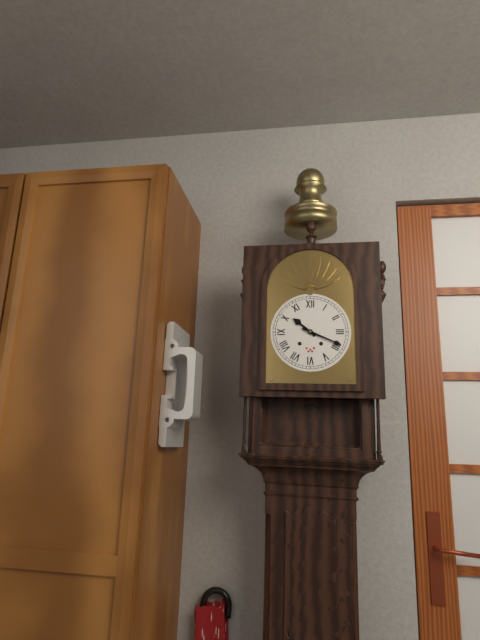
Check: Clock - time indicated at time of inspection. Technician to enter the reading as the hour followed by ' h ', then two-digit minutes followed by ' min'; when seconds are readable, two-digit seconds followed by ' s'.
10 h 19 min
